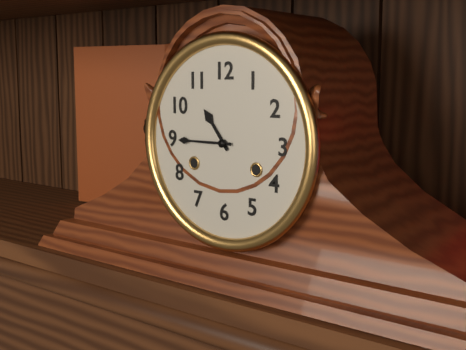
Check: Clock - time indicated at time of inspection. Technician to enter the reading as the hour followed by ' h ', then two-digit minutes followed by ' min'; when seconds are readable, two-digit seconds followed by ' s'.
10 h 45 min
